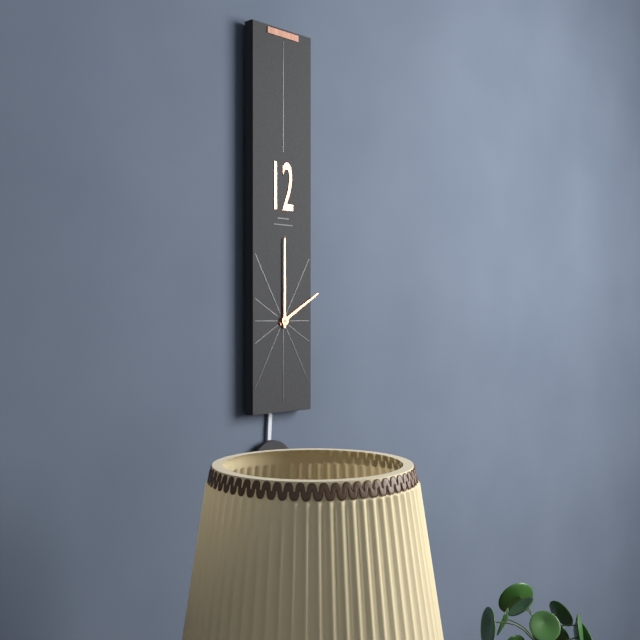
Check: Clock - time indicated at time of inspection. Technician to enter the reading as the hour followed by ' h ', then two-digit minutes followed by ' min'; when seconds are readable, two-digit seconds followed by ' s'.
2 h 00 min
